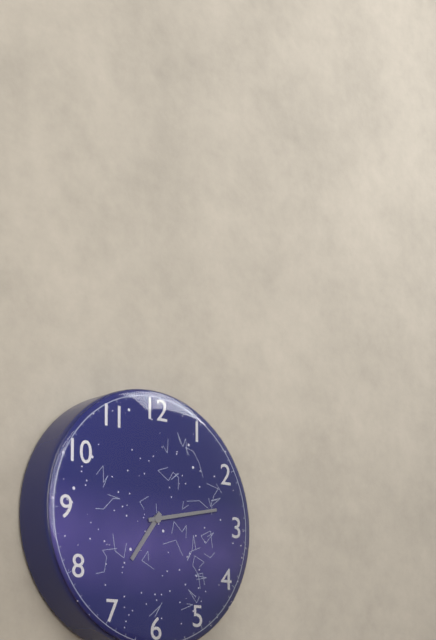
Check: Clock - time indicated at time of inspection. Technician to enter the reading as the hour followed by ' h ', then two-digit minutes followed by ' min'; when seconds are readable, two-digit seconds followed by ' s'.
7 h 13 min
